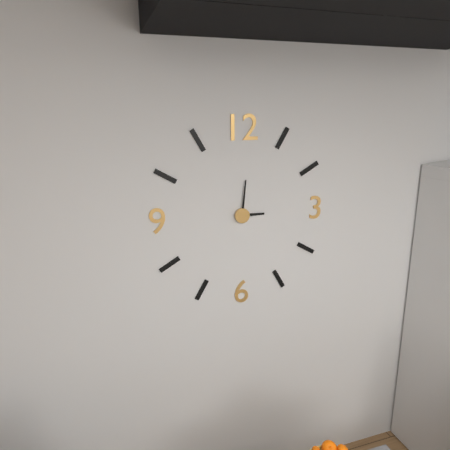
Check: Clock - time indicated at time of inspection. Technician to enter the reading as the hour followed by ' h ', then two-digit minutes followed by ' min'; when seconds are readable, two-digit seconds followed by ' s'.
3 h 01 min
